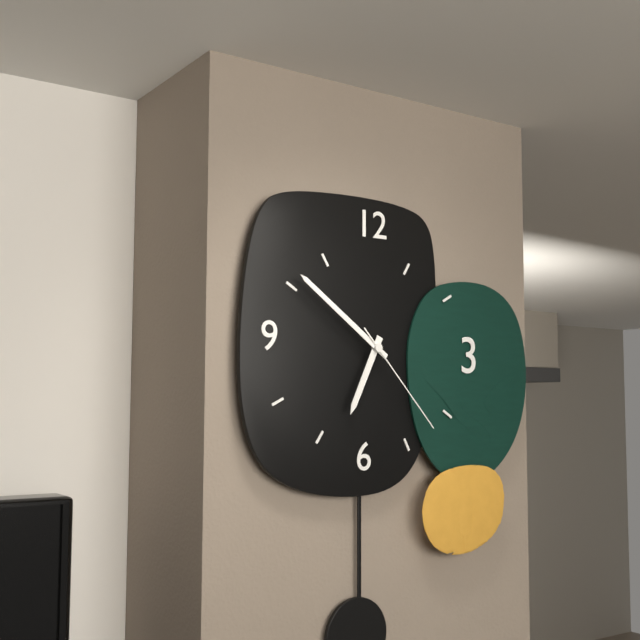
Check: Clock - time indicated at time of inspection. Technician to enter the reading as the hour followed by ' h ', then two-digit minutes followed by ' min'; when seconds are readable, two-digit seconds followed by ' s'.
6 h 51 min 23 s
